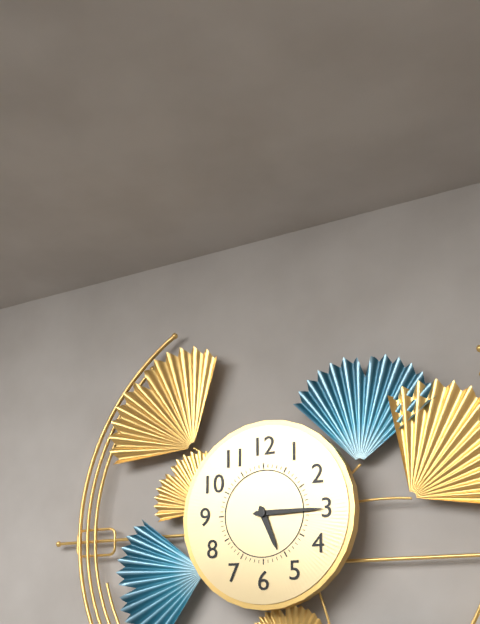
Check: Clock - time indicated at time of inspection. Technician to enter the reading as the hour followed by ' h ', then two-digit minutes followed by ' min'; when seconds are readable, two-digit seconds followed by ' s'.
5 h 15 min
